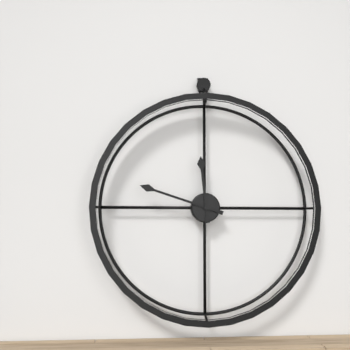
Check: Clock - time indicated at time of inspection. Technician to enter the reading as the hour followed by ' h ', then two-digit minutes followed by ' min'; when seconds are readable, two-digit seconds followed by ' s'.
11 h 48 min
